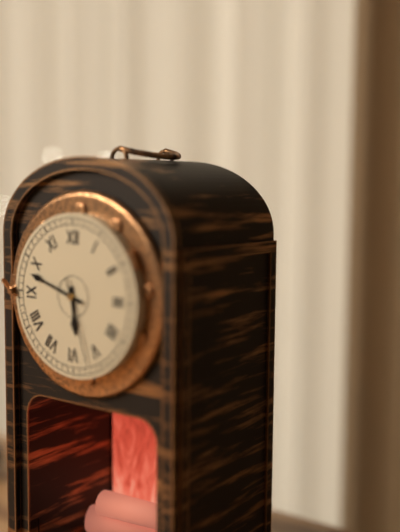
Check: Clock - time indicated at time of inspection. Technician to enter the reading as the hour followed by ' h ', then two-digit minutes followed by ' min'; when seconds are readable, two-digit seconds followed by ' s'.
5 h 48 min 27 s
